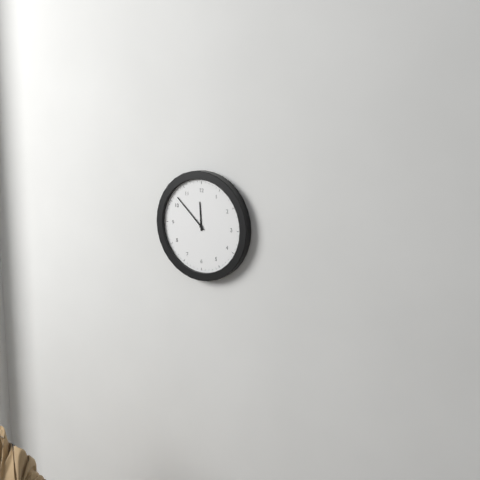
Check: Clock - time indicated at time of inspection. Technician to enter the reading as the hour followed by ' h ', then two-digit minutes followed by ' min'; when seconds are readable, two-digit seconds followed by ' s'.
11 h 52 min
